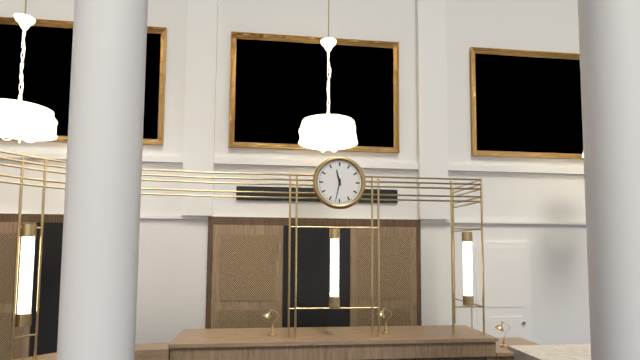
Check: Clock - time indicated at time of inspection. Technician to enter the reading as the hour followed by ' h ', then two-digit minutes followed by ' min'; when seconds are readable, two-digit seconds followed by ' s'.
11 h 32 min
